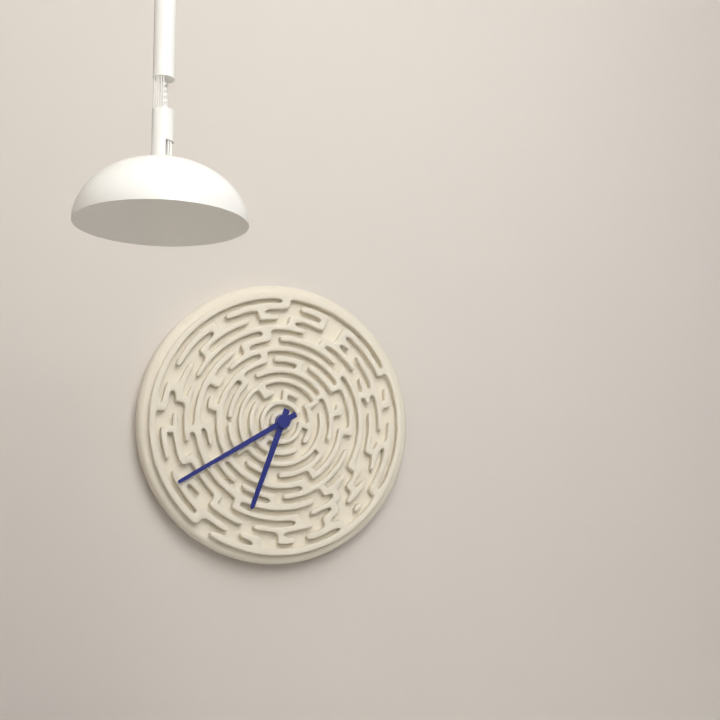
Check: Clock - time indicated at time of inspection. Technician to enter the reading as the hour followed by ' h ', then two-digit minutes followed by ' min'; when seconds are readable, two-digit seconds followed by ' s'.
6 h 40 min
